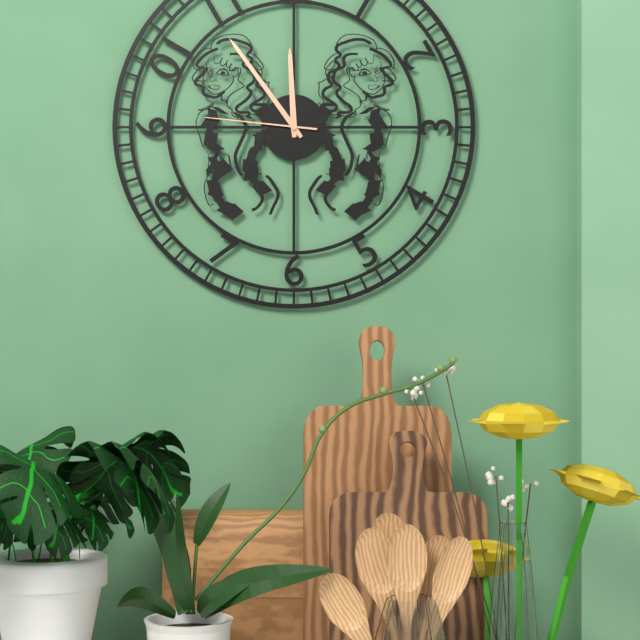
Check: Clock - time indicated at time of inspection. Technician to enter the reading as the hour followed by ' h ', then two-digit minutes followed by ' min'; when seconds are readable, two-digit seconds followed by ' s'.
11 h 54 min 46 s
